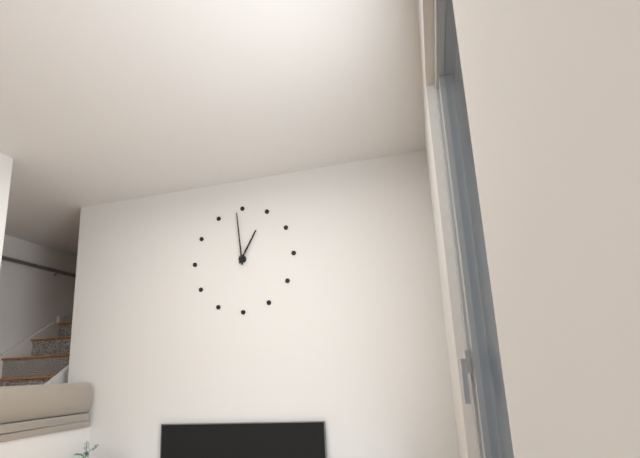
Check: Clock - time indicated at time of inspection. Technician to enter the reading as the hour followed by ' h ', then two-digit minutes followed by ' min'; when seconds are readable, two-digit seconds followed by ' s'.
12 h 59 min
